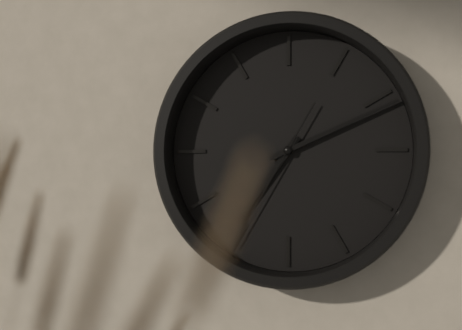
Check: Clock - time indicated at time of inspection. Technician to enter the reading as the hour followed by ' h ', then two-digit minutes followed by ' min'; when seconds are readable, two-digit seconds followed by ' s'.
7 h 11 min 35 s
